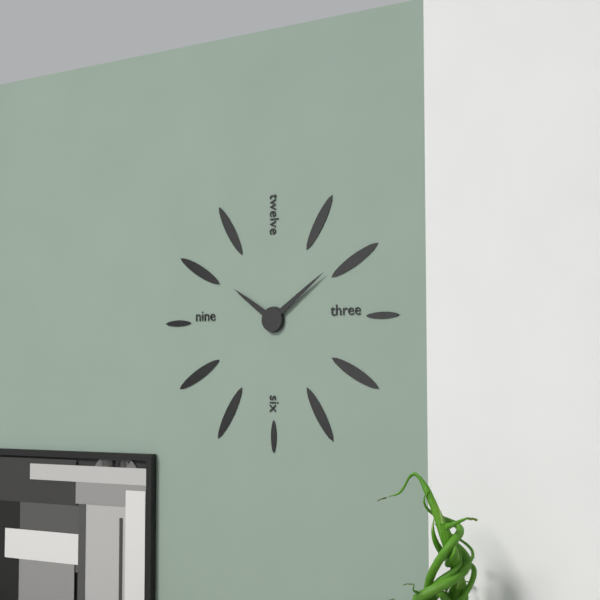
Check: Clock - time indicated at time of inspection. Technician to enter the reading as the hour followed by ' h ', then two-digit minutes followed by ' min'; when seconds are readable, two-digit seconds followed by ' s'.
10 h 09 min
